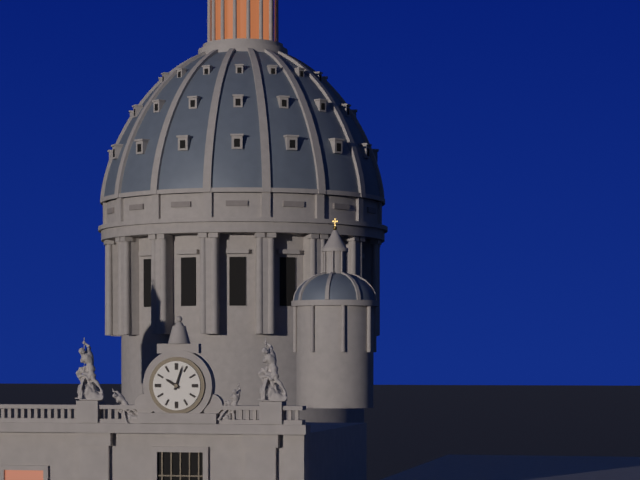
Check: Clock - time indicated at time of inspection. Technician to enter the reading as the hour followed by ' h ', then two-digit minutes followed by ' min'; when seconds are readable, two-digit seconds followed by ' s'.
10 h 03 min
